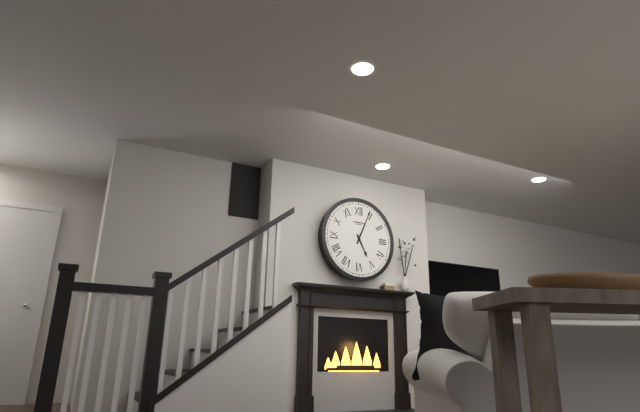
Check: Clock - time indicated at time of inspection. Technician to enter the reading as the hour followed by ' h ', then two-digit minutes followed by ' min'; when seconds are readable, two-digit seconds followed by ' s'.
5 h 04 min
